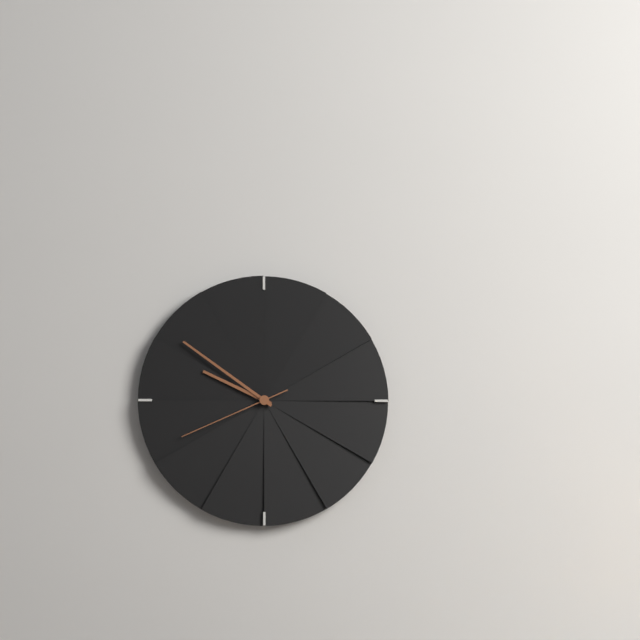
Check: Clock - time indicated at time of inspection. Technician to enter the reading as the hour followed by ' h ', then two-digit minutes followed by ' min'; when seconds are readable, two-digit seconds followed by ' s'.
9 h 51 min 41 s
